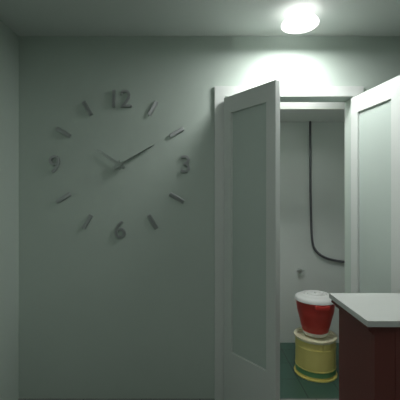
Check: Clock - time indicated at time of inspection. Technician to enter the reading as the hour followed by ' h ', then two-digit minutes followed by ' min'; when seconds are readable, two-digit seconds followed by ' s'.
10 h 10 min
